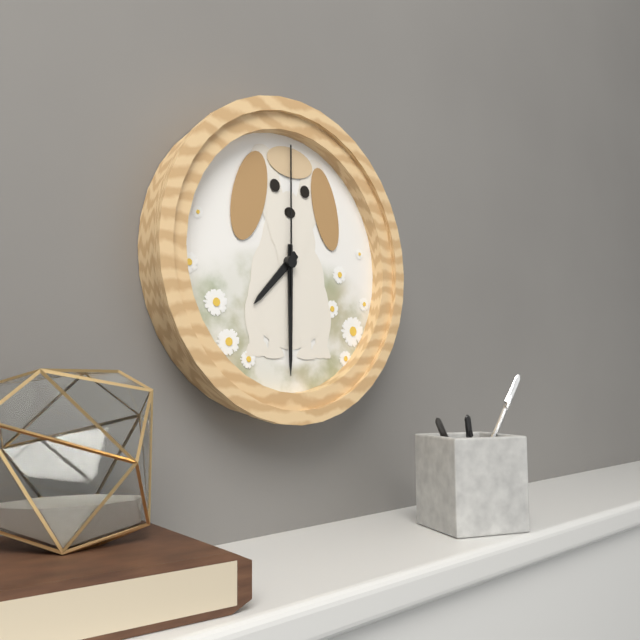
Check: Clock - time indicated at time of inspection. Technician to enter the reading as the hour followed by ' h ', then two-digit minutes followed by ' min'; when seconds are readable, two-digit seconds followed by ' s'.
7 h 30 min 00 s
